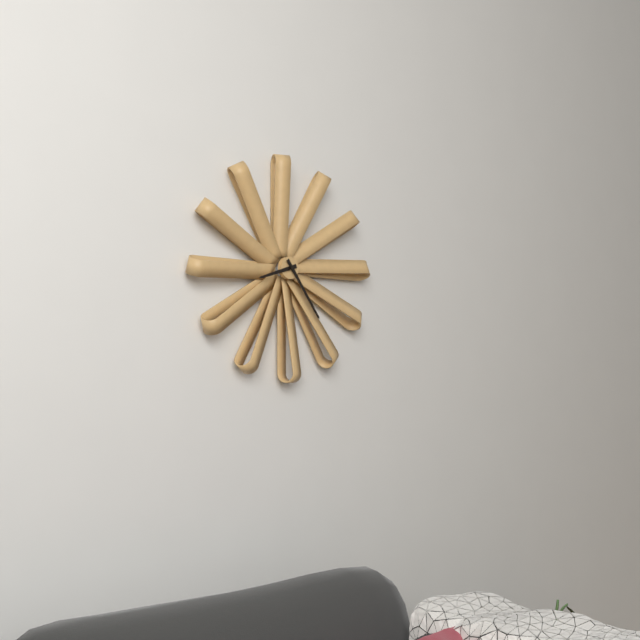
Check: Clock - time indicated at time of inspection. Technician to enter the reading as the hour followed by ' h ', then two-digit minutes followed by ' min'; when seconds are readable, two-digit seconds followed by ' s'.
8 h 24 min
